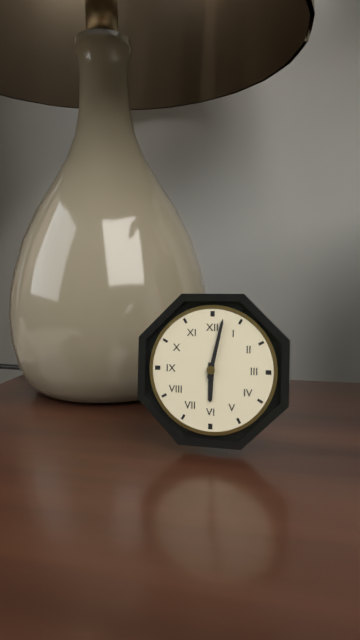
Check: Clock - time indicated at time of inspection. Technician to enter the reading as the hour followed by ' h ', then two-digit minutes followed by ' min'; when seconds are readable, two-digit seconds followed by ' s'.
6 h 02 min
